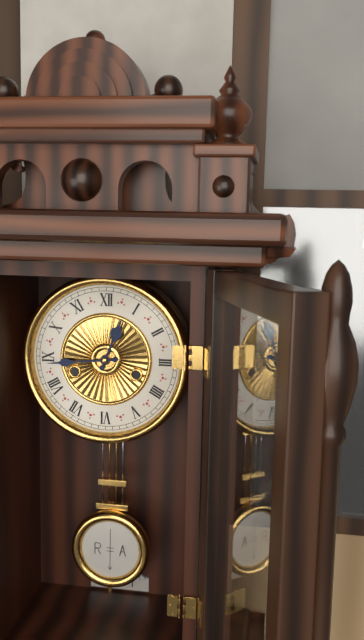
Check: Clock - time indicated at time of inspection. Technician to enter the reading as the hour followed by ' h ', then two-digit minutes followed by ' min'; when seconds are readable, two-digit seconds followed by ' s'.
12 h 44 min
